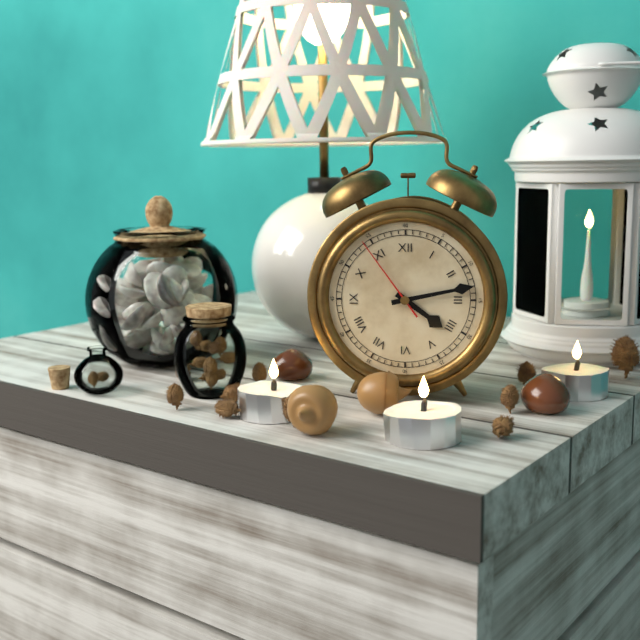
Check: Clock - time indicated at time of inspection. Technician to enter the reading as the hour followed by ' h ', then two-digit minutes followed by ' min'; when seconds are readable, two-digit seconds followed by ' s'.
4 h 13 min 54 s
